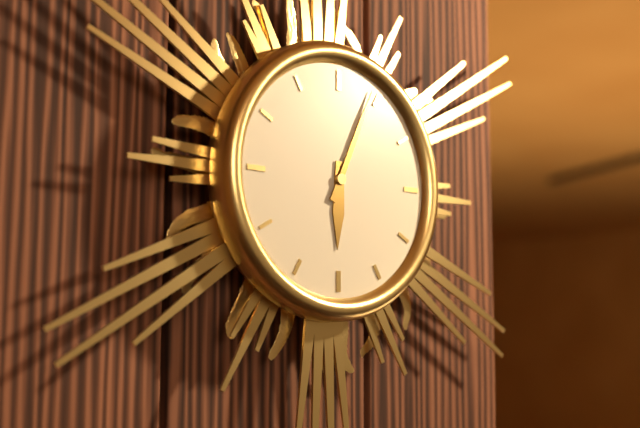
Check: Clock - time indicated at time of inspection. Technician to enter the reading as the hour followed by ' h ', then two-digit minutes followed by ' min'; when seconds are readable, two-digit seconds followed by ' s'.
6 h 04 min
